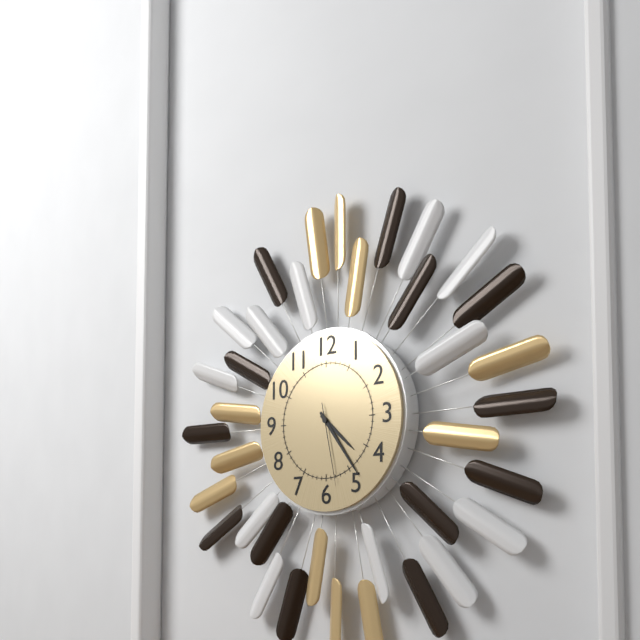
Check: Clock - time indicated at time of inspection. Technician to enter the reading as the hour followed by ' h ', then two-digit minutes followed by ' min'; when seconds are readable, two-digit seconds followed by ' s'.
4 h 24 min 28 s
